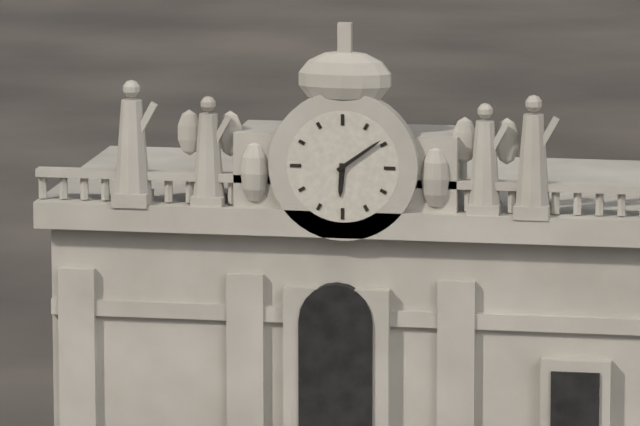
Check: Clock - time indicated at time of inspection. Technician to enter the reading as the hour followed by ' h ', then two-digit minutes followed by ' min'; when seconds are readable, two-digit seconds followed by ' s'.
6 h 09 min
